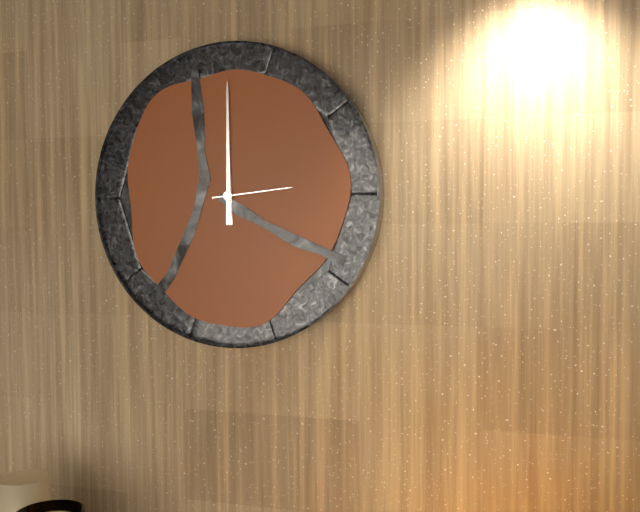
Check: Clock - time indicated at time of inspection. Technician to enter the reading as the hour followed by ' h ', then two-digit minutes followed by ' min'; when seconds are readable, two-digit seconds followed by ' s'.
12 h 00 min 14 s
